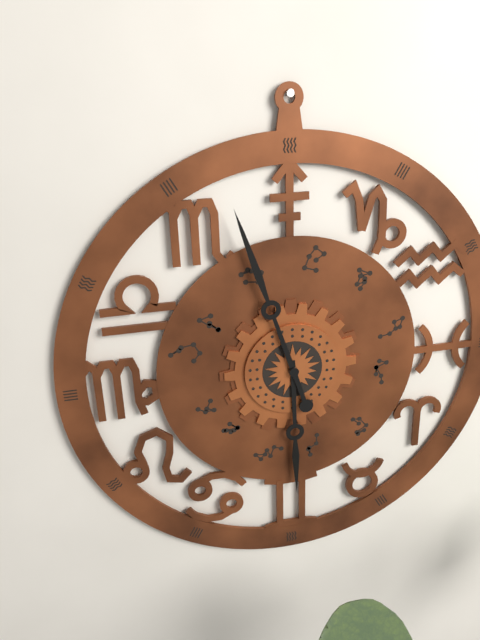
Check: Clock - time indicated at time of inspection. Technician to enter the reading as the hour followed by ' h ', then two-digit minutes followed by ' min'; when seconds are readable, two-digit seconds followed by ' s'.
5 h 57 min
